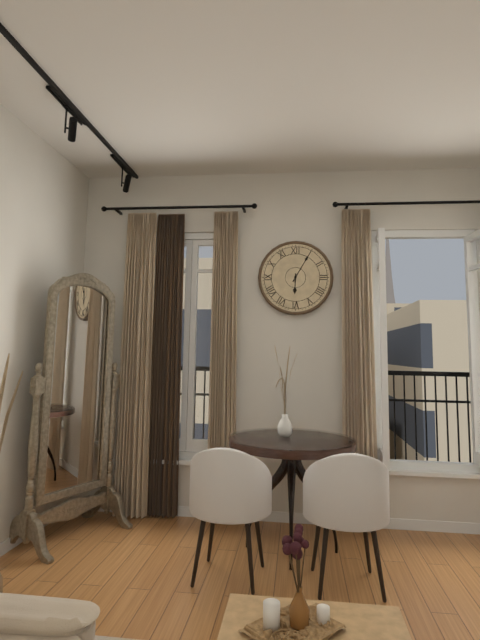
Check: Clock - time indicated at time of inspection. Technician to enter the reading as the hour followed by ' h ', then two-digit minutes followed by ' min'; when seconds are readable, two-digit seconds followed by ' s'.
6 h 05 min
